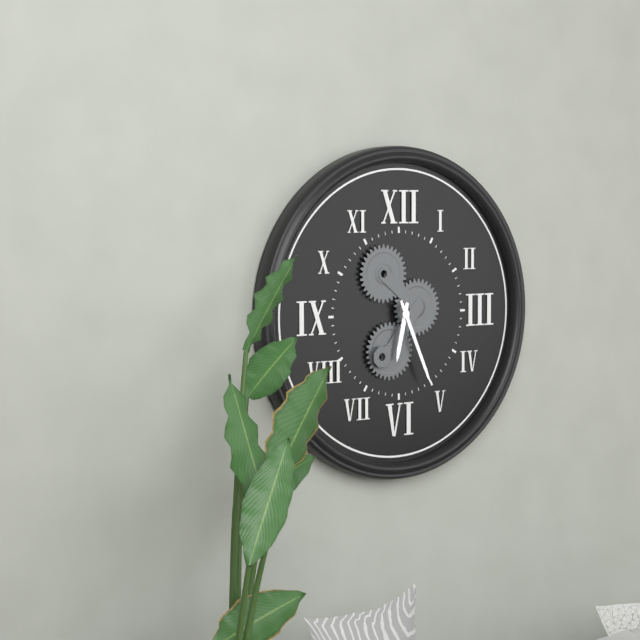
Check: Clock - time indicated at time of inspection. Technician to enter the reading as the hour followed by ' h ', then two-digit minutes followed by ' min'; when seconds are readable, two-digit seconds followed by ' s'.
6 h 26 min
